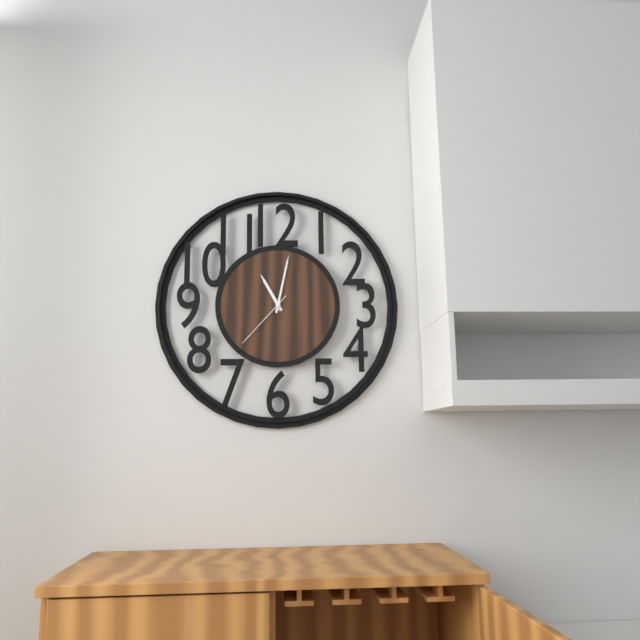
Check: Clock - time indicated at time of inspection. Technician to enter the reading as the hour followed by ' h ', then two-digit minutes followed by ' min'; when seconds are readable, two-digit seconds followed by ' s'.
11 h 02 min 37 s
